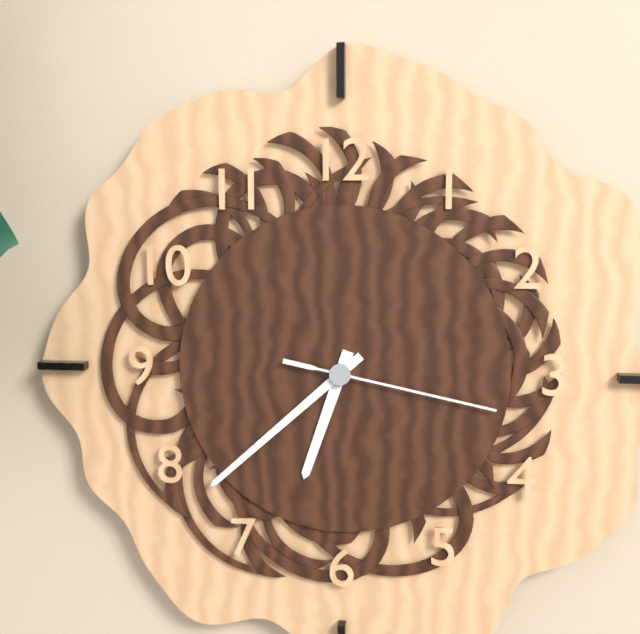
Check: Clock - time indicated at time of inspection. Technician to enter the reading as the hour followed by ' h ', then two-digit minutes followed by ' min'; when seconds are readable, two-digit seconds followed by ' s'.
6 h 38 min 17 s
